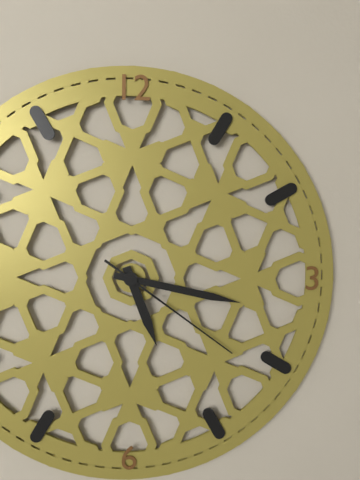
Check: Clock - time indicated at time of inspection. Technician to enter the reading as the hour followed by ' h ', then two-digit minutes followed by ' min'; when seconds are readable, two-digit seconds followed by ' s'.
5 h 17 min 21 s
